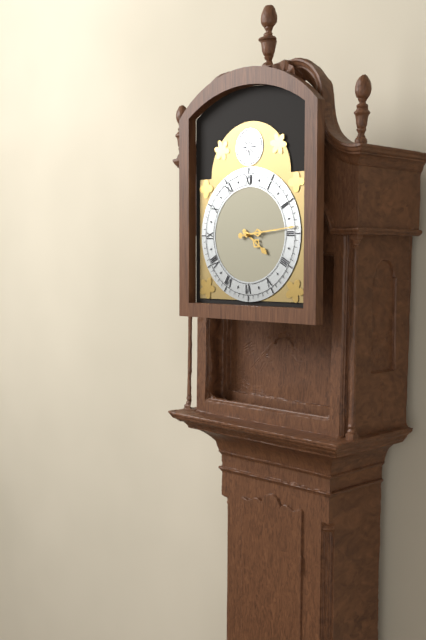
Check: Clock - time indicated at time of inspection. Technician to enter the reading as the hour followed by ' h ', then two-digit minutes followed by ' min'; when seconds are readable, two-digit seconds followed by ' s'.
4 h 14 min
